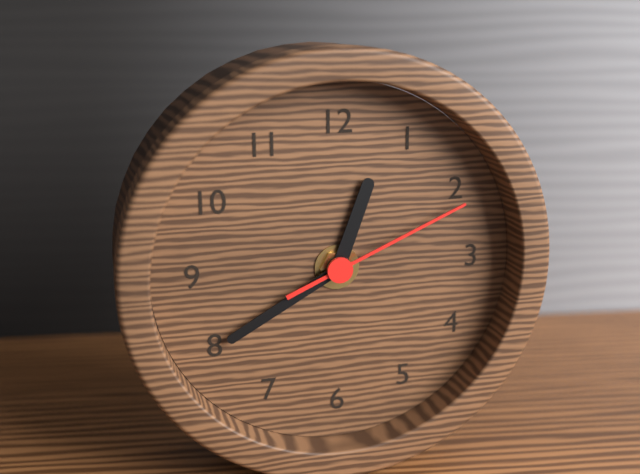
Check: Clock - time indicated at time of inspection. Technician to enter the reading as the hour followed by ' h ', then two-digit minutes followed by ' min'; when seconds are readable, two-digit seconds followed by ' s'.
12 h 40 min 11 s
